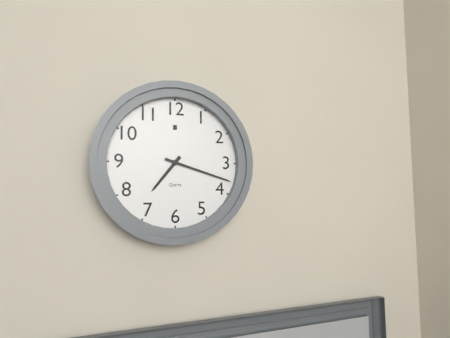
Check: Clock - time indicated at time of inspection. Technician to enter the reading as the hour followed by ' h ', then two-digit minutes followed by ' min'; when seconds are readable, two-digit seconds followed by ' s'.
7 h 18 min
